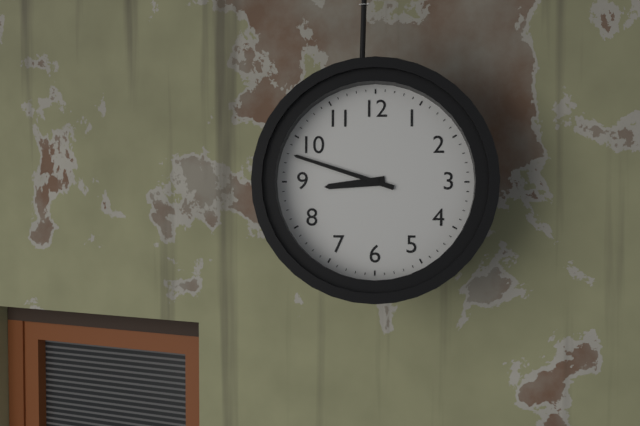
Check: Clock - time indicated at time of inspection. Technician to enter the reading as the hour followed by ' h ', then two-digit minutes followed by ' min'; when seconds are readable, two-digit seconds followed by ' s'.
8 h 48 min
